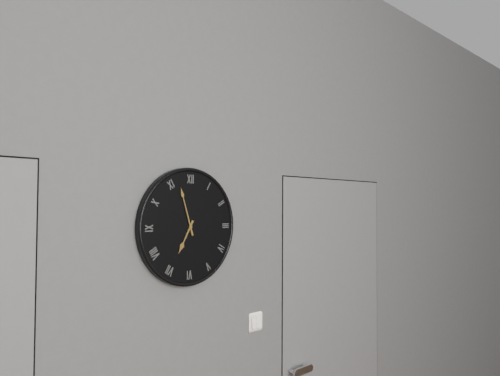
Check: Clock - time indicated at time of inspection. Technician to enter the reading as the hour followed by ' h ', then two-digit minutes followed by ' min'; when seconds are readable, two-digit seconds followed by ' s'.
6 h 57 min
